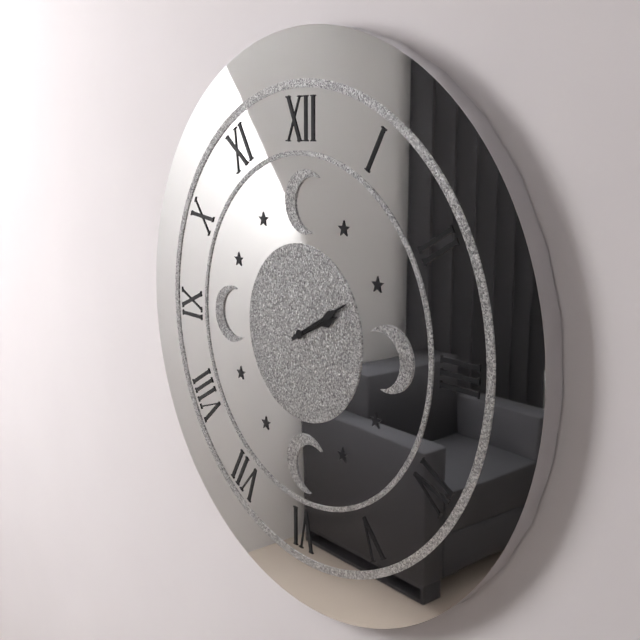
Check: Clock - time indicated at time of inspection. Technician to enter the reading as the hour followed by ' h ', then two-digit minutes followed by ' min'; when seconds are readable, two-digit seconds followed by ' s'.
2 h 10 min
